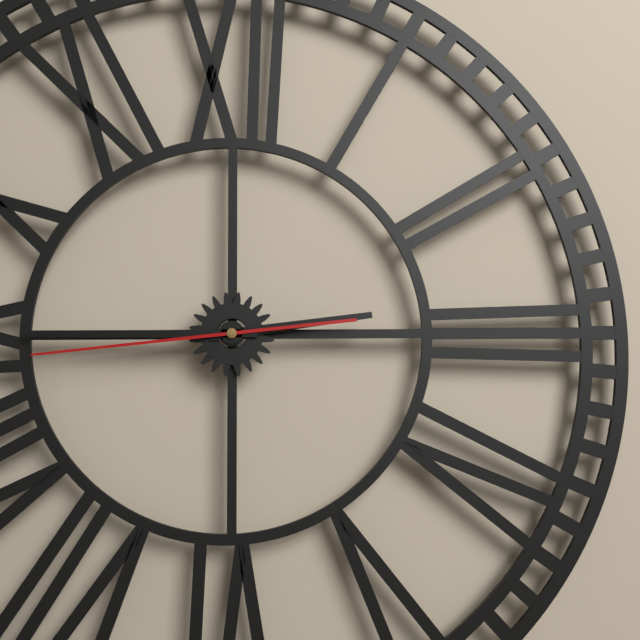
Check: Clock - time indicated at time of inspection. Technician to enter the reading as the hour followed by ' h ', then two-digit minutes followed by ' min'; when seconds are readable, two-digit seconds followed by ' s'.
2 h 45 min 44 s
